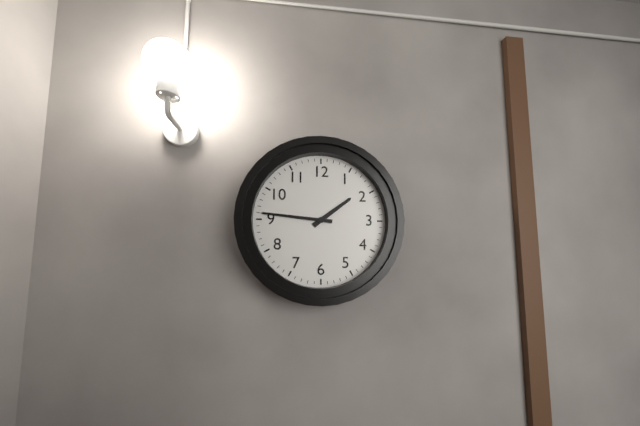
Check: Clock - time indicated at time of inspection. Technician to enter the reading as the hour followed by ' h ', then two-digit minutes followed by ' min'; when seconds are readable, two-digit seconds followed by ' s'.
1 h 46 min
